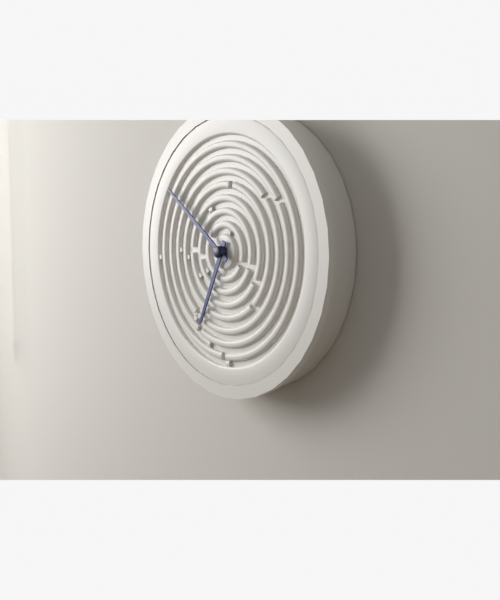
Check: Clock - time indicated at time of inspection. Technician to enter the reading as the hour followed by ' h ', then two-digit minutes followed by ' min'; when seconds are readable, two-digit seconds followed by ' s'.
6 h 51 min
